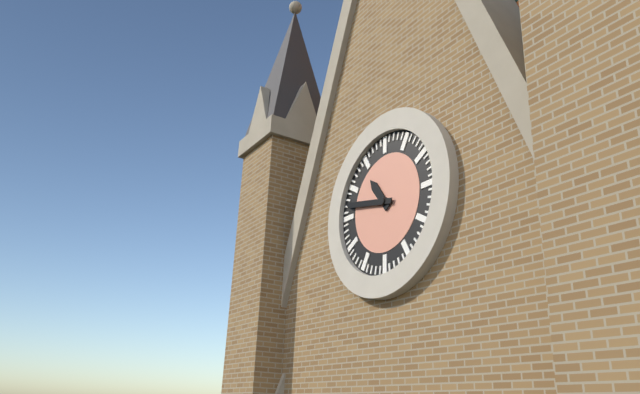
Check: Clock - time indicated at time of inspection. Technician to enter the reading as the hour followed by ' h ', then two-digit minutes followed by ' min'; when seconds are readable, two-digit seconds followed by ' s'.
10 h 47 min
